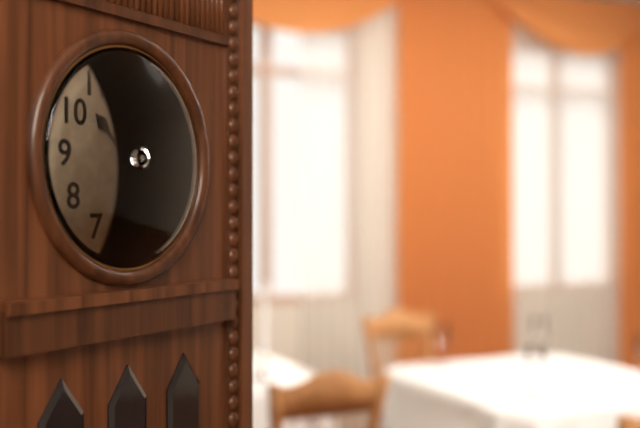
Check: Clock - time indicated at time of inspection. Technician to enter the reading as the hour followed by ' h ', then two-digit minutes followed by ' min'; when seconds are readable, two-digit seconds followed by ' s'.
10 h 29 min
